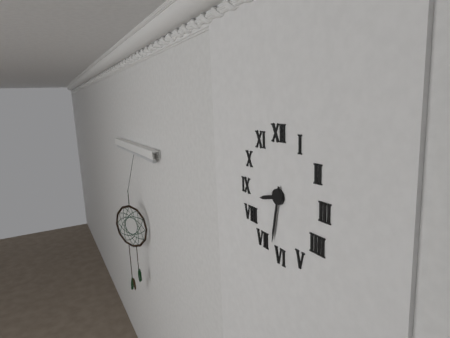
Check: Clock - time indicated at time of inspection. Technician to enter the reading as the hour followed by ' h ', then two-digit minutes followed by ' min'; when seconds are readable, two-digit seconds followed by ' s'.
8 h 32 min
